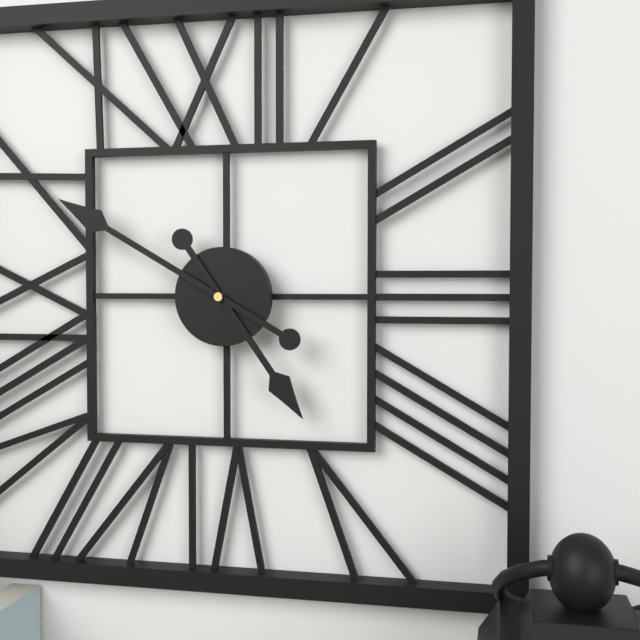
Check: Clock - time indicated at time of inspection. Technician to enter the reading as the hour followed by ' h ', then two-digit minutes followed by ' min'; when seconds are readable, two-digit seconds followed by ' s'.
4 h 50 min
